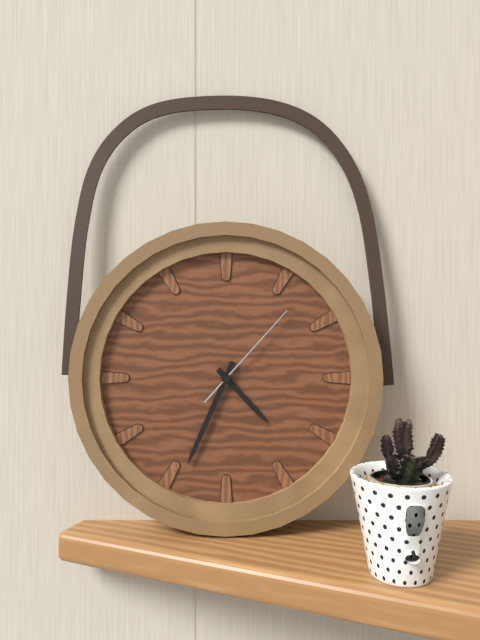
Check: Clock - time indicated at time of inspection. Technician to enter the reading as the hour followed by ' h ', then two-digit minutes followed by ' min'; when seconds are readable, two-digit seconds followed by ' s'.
4 h 34 min 07 s
